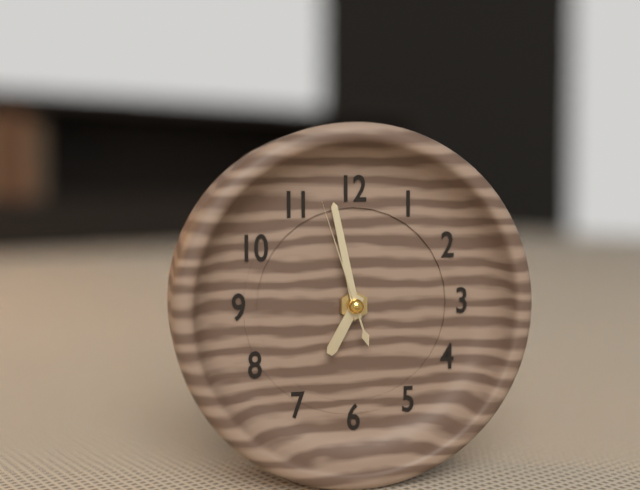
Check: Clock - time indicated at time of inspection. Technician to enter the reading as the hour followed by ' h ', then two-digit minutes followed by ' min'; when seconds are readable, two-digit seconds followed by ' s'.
6 h 58 min 57 s
